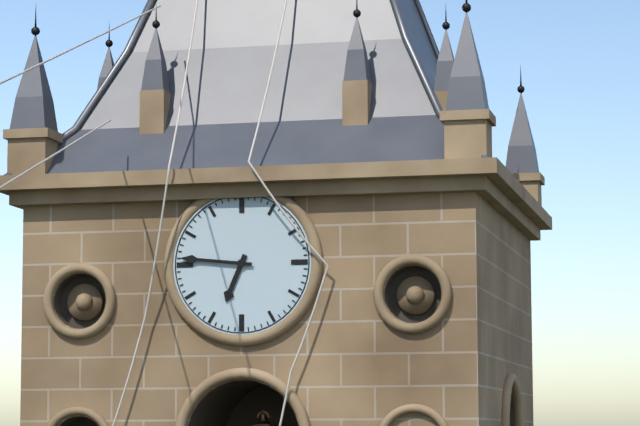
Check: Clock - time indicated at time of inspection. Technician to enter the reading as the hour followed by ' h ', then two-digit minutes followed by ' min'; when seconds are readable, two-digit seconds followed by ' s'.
6 h 46 min
